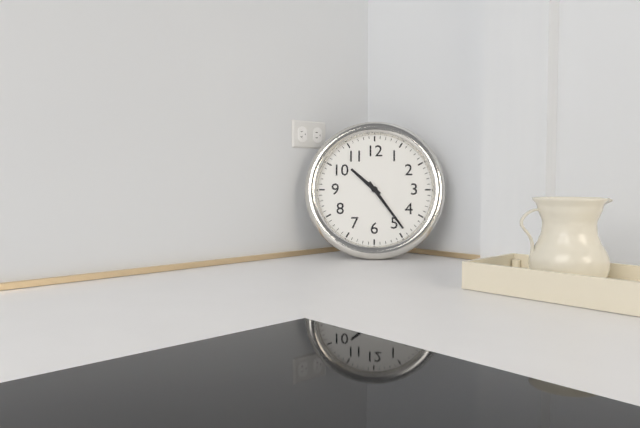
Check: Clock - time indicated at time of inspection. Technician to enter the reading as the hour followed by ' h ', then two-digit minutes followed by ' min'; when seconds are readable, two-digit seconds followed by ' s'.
10 h 24 min
